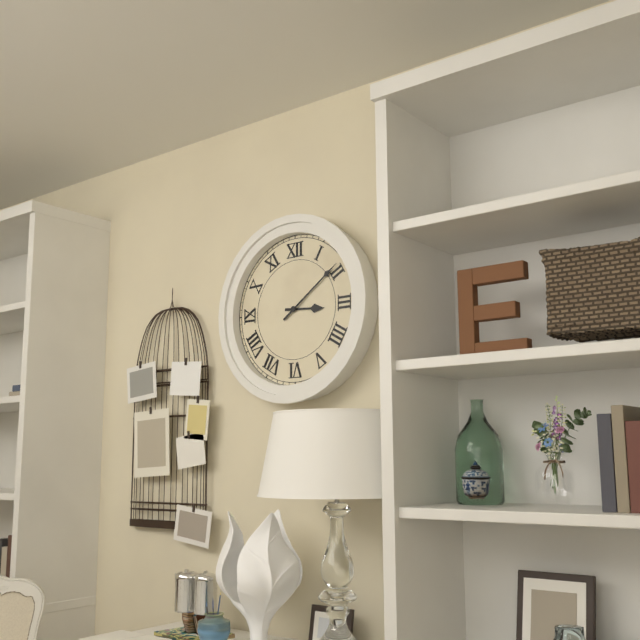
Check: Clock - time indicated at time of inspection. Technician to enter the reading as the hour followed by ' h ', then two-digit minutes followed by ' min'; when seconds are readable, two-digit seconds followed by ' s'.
3 h 09 min
